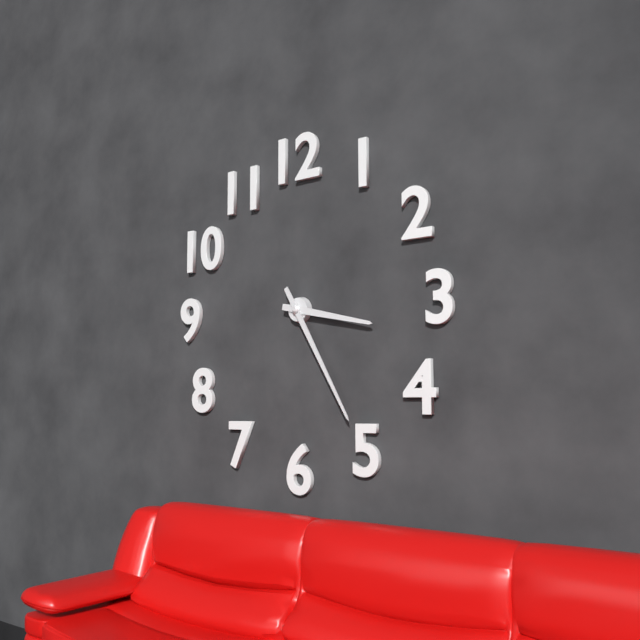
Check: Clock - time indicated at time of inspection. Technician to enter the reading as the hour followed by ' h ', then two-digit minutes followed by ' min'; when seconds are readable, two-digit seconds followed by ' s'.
3 h 25 min
